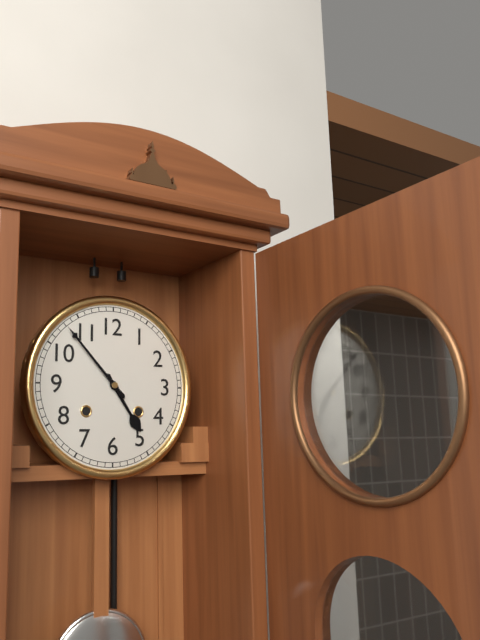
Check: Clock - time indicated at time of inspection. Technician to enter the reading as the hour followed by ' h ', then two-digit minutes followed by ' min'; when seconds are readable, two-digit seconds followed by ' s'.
4 h 53 min
